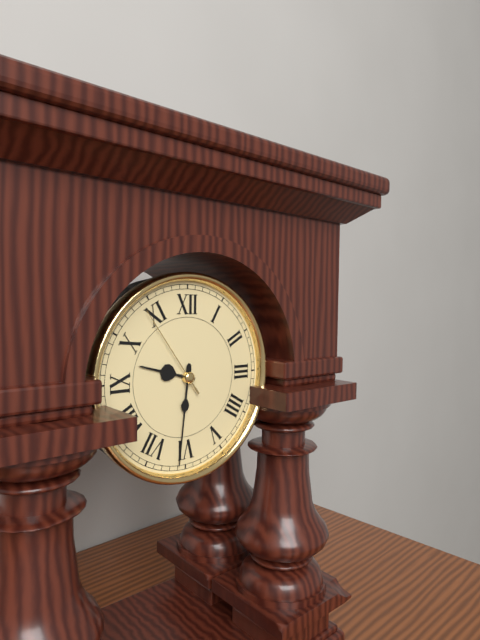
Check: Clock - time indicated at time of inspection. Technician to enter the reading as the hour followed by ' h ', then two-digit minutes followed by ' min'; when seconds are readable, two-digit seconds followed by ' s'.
9 h 31 min 54 s
